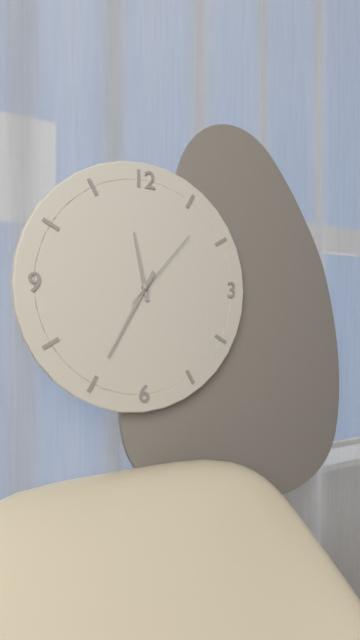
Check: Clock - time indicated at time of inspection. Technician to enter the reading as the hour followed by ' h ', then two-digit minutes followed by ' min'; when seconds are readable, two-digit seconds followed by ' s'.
11 h 35 min 07 s
